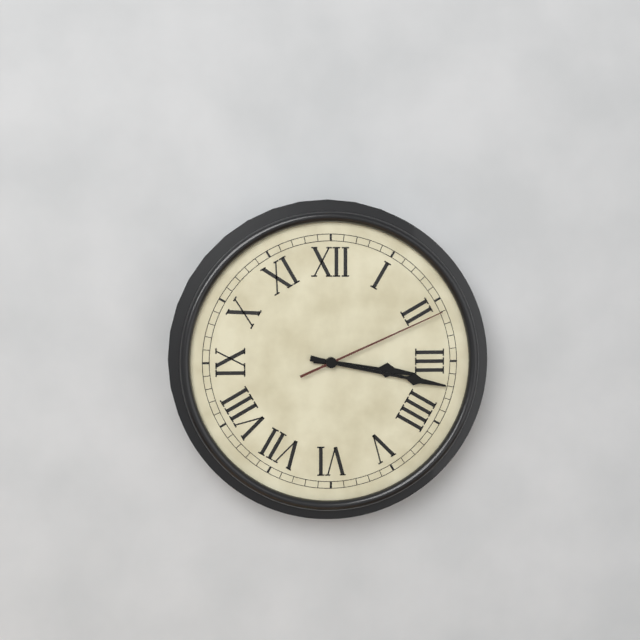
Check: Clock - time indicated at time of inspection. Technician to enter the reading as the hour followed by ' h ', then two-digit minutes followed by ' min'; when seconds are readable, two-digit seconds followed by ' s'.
3 h 17 min 11 s
